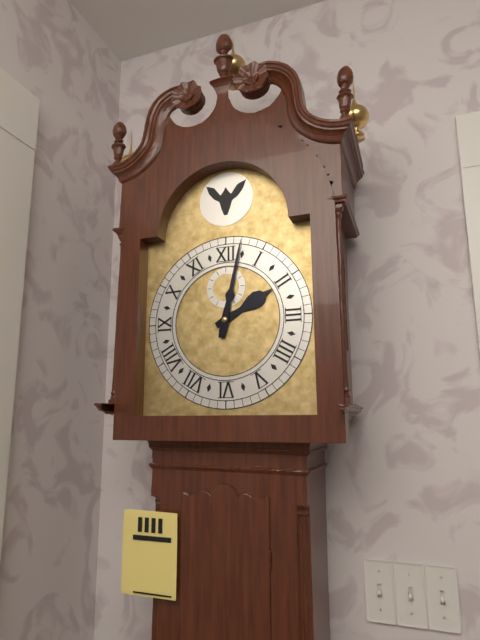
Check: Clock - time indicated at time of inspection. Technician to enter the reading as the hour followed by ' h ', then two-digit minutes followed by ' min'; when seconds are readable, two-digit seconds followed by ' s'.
2 h 02 min
